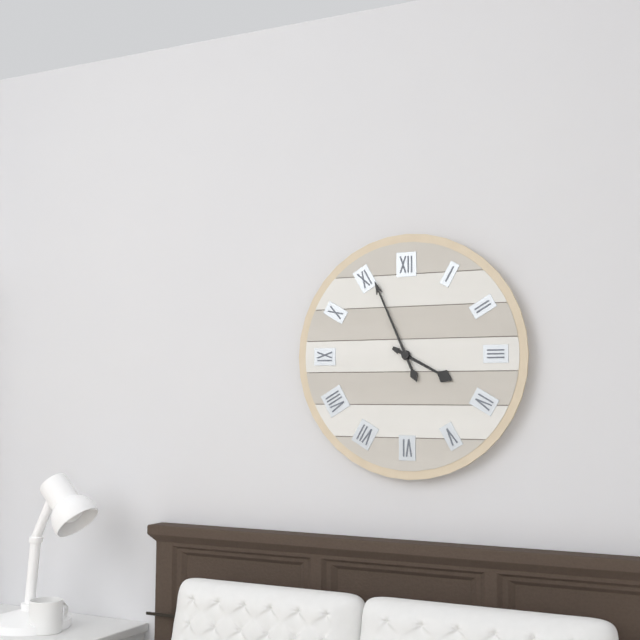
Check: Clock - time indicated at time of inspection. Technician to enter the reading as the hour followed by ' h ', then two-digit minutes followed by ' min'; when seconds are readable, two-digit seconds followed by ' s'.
3 h 56 min
